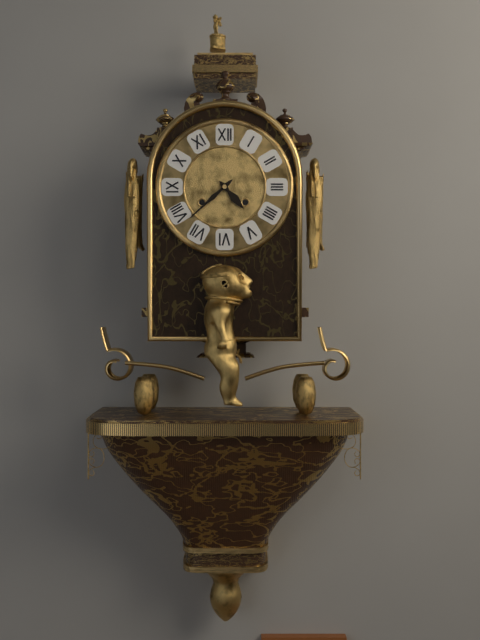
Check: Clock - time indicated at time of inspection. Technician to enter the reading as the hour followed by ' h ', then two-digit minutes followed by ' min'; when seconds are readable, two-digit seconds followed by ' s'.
4 h 38 min
